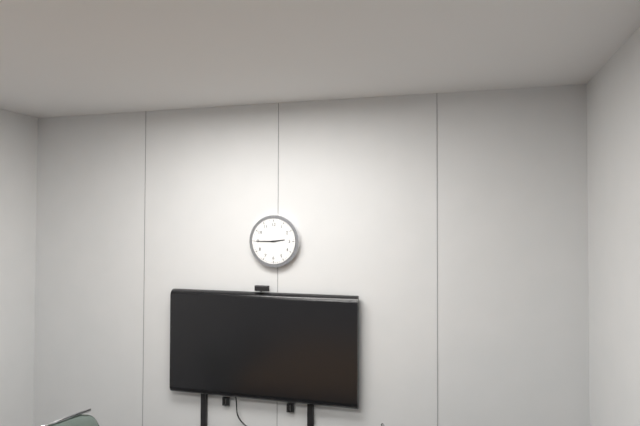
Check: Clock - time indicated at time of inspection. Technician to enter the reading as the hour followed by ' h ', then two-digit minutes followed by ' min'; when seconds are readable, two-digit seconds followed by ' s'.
2 h 45 min
